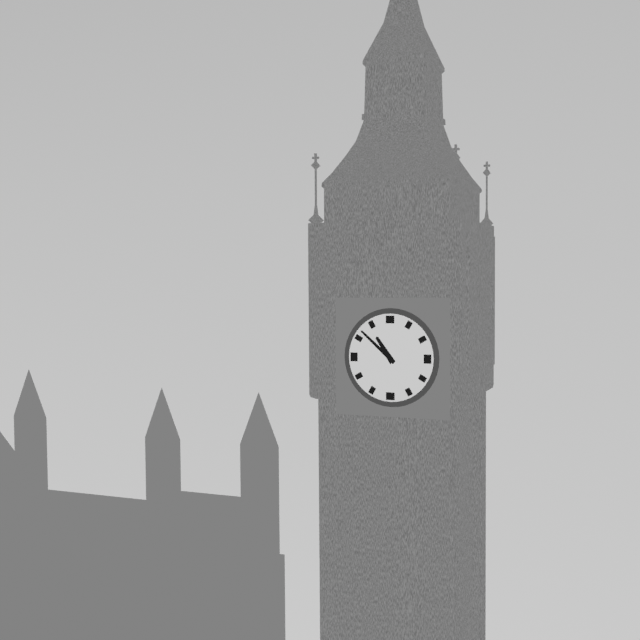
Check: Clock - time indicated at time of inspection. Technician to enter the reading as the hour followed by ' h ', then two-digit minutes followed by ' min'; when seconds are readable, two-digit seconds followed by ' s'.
10 h 52 min
